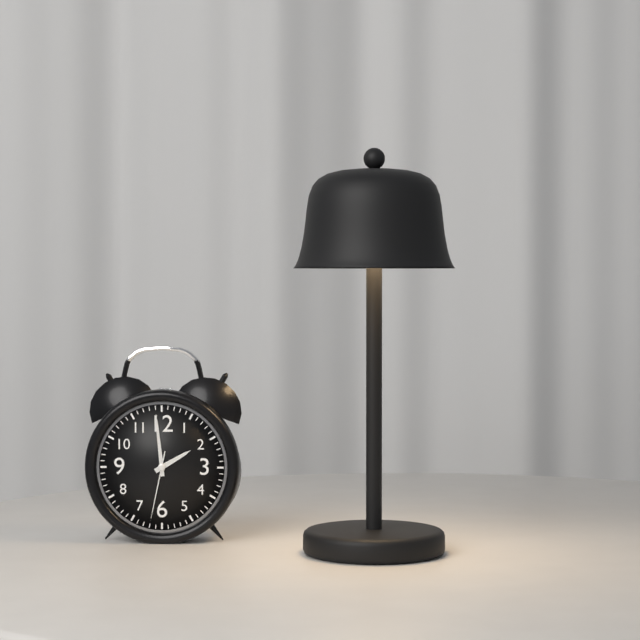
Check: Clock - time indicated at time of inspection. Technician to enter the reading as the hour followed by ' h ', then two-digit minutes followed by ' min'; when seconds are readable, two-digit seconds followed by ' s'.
1 h 59 min 32 s
